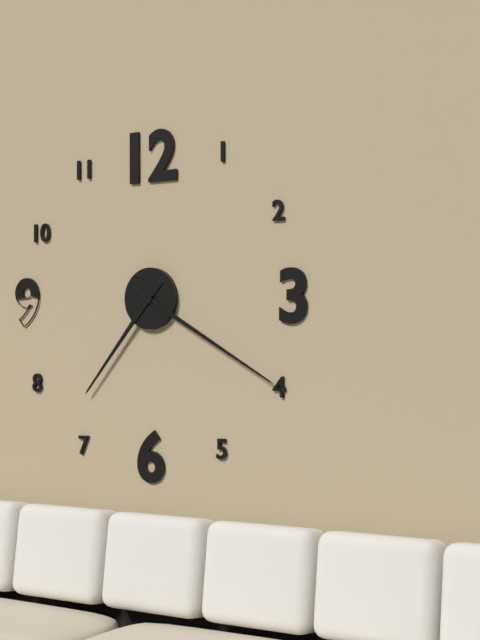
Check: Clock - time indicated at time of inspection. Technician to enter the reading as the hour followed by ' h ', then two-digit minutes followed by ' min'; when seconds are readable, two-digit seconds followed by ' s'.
7 h 20 min
